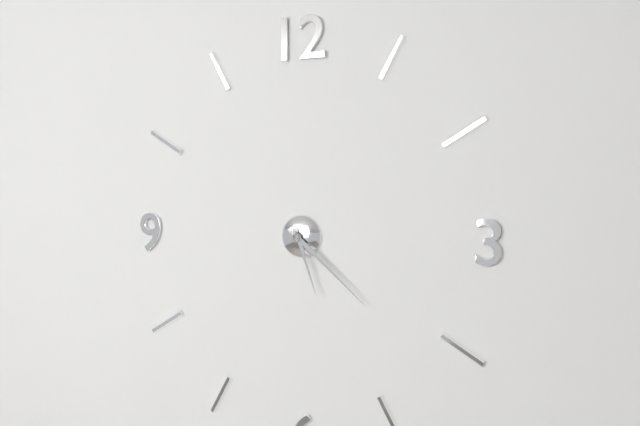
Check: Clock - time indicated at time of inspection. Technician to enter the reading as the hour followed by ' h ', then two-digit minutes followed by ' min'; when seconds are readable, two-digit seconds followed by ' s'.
5 h 22 min
